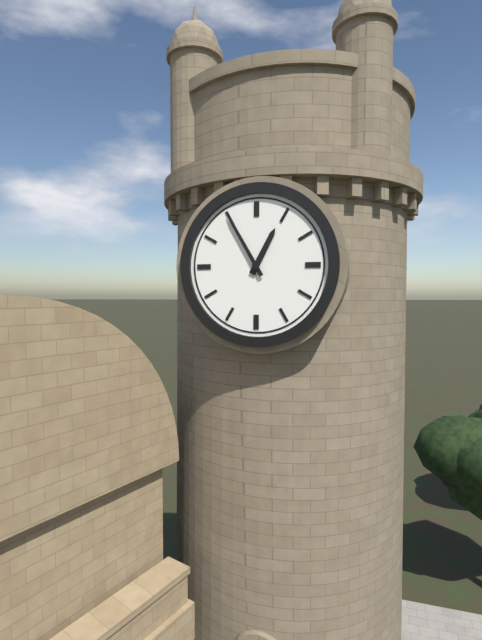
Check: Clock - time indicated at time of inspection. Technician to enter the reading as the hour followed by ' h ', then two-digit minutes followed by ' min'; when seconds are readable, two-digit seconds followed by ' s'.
12 h 55 min
